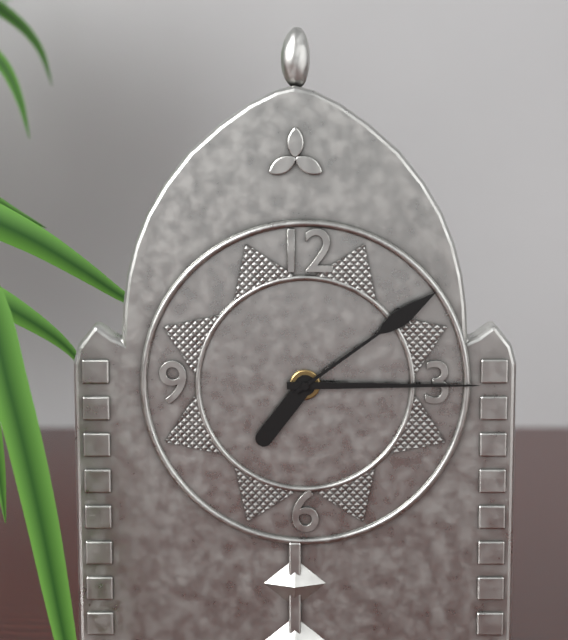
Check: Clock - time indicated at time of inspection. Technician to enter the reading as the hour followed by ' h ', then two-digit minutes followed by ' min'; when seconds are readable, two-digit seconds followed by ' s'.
7 h 15 min 09 s
